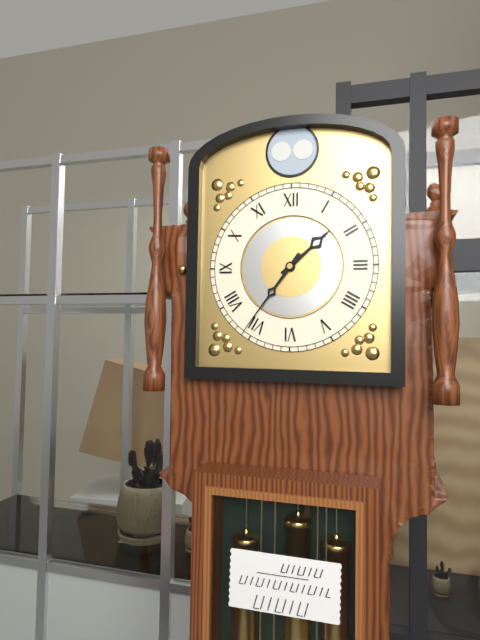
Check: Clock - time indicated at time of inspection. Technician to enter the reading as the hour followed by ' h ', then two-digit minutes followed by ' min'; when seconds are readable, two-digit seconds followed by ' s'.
1 h 36 min
